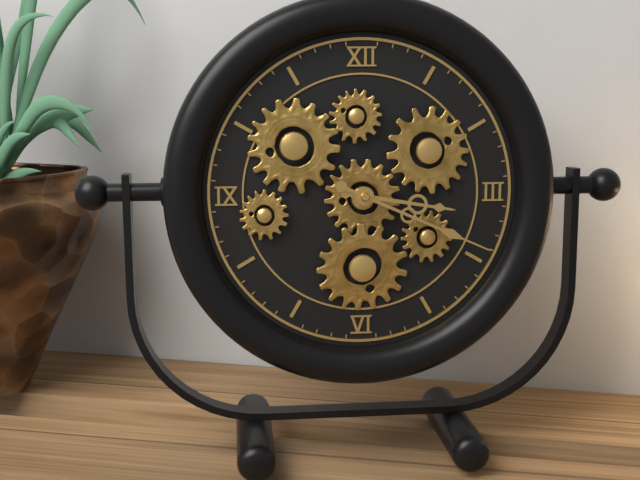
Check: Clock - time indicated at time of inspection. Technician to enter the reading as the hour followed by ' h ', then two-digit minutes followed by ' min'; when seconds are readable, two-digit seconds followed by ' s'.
3 h 19 min
